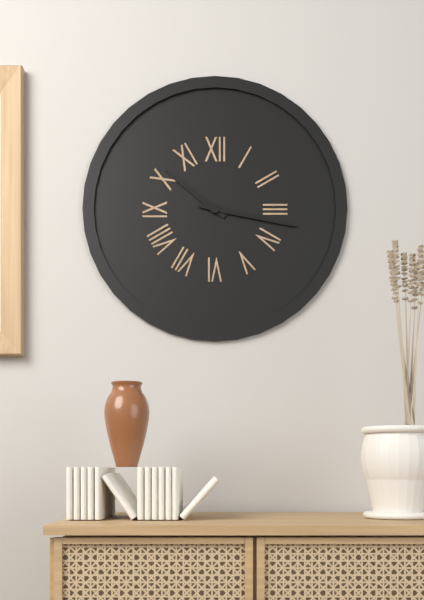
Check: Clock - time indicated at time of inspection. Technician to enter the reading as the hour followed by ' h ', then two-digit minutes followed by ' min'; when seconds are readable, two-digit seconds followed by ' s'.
10 h 17 min
